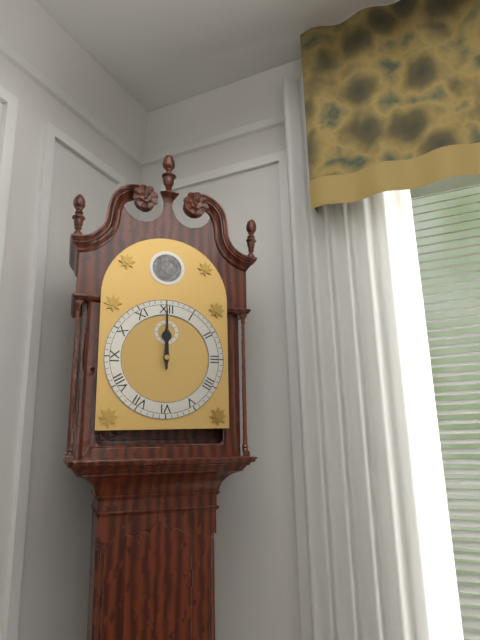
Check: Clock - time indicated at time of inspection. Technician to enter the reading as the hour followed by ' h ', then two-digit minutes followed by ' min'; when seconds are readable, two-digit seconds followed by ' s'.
12 h 00 min
